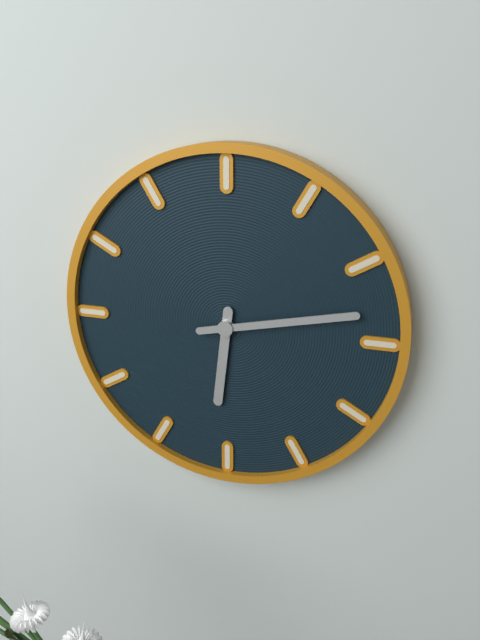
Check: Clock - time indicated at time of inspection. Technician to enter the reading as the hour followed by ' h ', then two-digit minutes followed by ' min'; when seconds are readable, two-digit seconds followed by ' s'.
6 h 13 min
